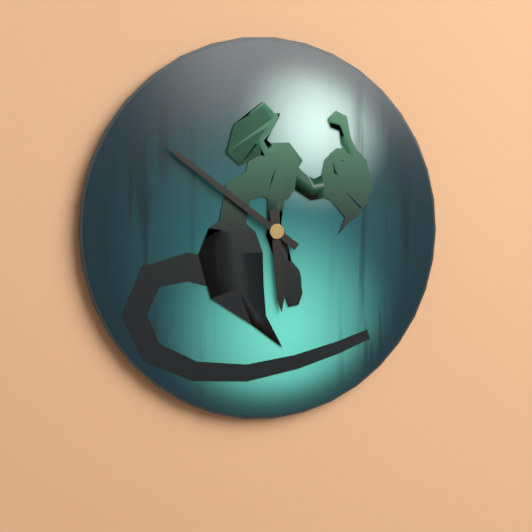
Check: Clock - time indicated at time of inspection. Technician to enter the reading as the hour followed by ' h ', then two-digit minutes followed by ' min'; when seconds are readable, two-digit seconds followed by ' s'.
5 h 51 min
